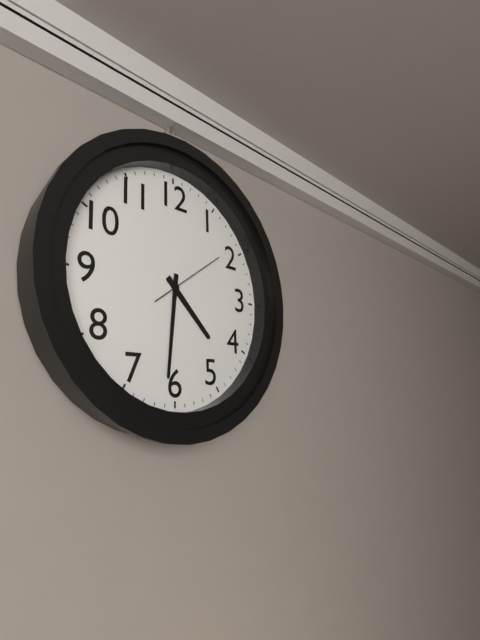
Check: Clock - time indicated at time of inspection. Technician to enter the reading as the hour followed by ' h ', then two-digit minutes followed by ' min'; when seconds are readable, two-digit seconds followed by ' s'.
4 h 31 min 09 s
